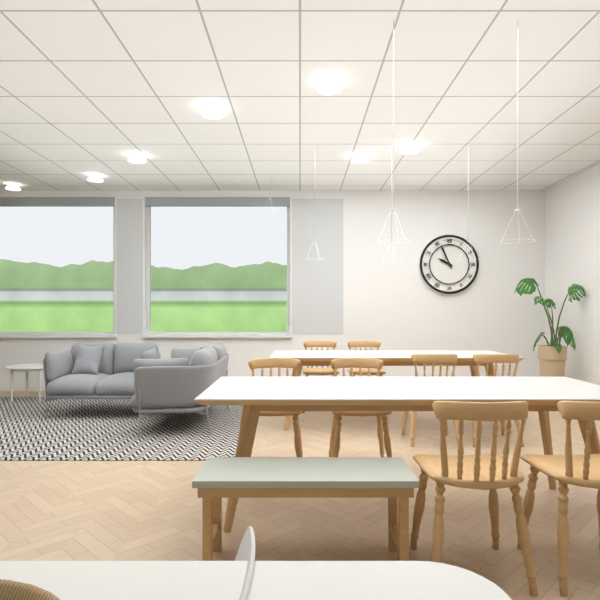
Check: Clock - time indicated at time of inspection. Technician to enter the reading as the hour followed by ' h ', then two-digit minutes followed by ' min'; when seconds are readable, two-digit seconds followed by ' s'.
9 h 56 min
